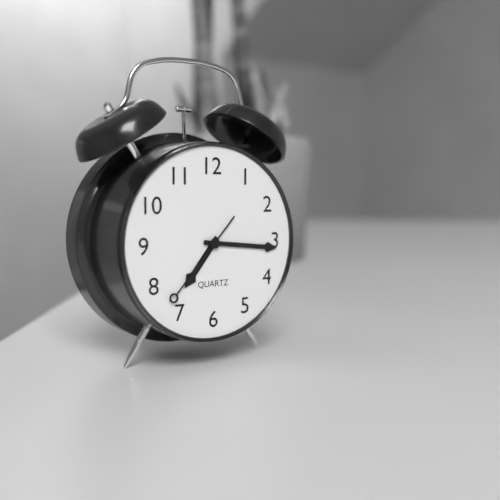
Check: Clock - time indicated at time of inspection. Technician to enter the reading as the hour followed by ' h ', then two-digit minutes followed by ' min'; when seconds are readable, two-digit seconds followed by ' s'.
7 h 16 min 37 s
